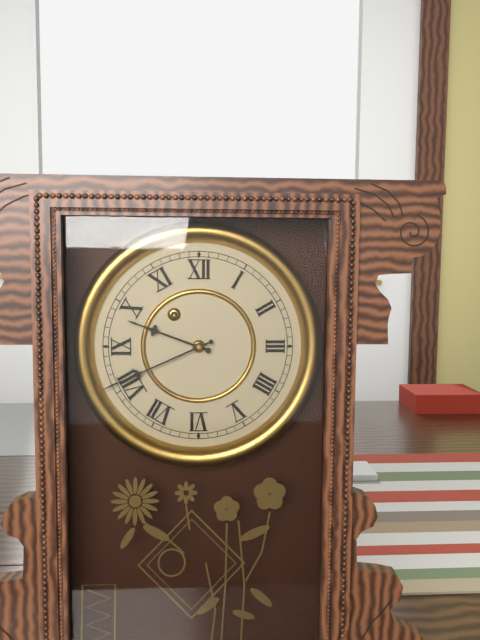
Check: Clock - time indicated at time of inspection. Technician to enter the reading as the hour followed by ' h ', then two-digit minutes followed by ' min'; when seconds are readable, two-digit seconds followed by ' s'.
9 h 41 min
